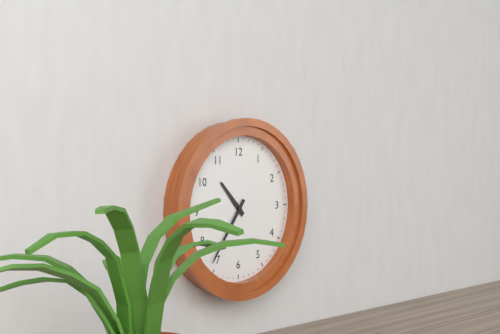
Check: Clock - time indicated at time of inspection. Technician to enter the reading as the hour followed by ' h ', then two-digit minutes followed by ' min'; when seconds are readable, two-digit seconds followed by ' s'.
10 h 36 min
